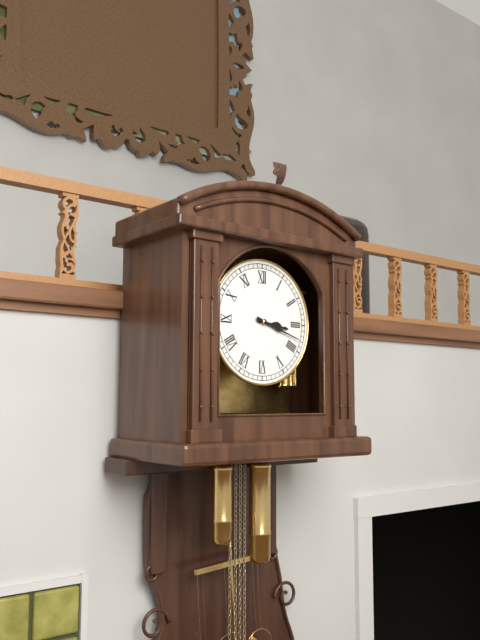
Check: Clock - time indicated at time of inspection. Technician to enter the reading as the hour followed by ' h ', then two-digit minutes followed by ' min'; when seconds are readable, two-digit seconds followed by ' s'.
3 h 18 min
